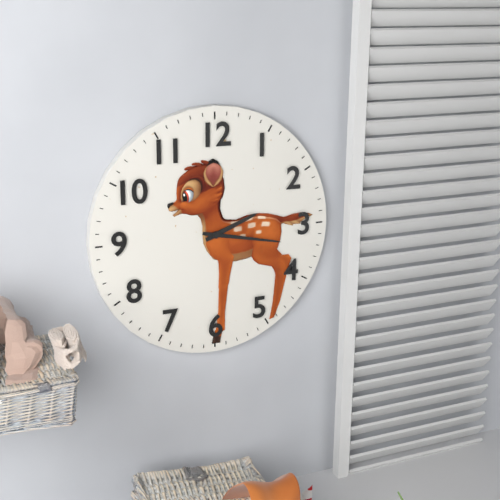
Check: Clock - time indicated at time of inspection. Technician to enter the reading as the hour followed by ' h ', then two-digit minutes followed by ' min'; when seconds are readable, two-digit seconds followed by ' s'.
2 h 17 min
